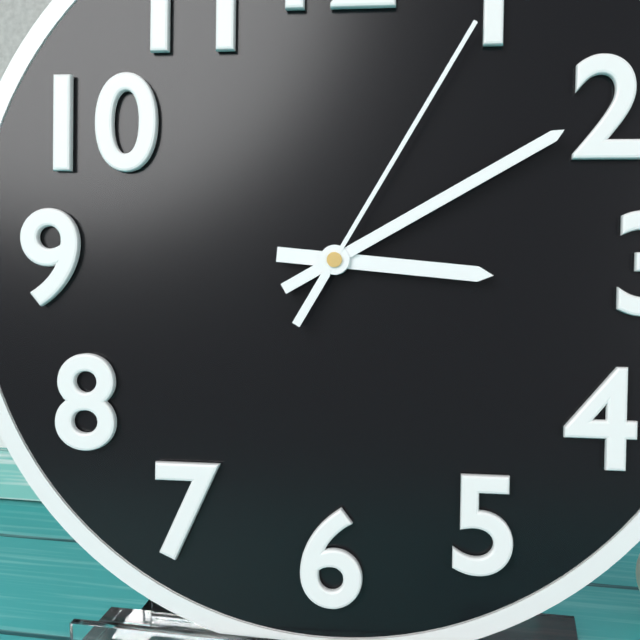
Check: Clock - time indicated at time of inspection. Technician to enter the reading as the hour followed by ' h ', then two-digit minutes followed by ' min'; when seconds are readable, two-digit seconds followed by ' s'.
3 h 10 min 05 s
